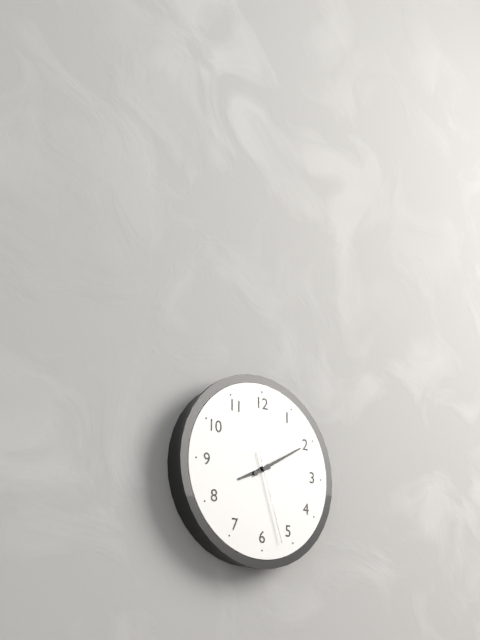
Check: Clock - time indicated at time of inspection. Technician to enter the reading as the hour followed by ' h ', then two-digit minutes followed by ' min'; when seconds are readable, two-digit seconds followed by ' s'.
8 h 10 min 27 s
